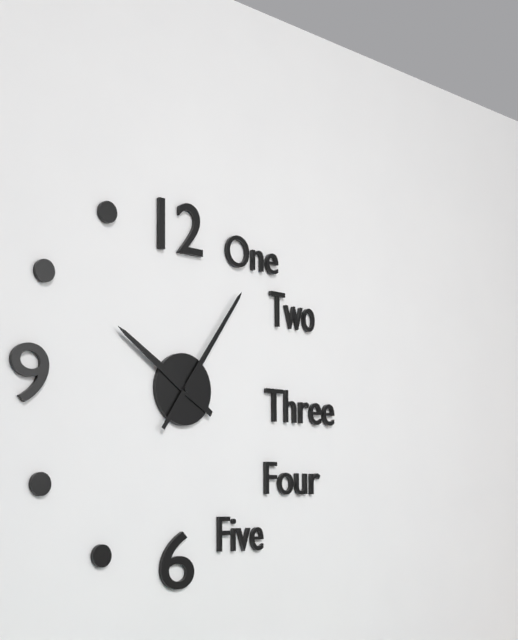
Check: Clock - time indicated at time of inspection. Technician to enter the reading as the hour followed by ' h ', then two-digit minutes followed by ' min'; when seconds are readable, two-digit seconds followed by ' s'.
10 h 06 min
